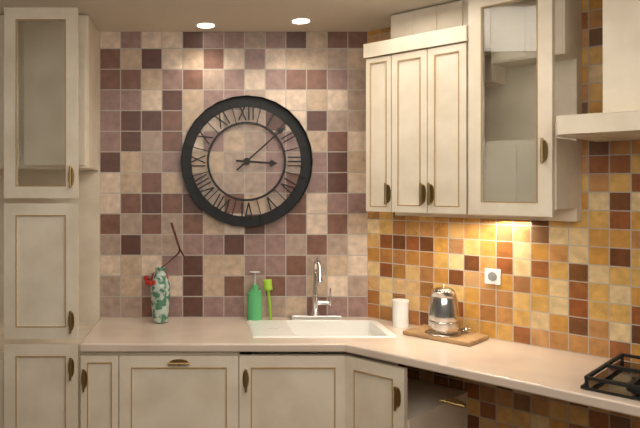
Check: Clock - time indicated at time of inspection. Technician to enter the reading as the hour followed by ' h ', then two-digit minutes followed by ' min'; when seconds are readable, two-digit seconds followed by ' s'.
3 h 08 min
